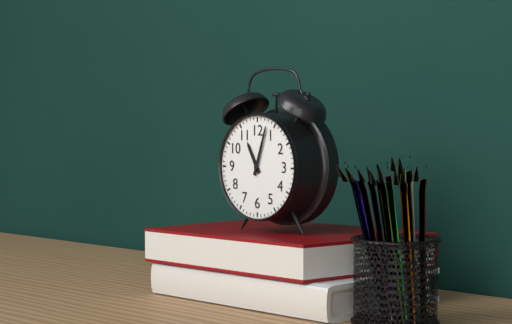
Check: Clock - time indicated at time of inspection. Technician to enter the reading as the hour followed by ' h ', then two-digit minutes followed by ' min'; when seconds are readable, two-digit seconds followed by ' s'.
11 h 03 min
